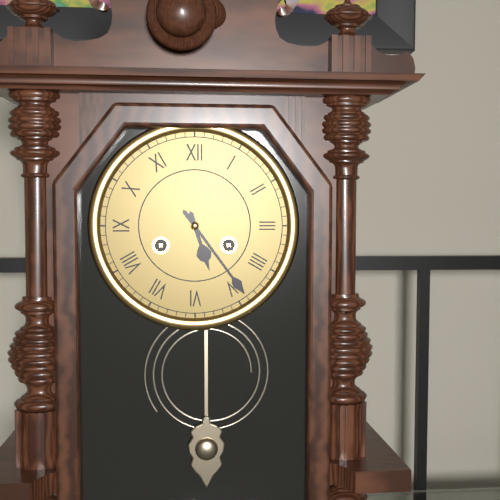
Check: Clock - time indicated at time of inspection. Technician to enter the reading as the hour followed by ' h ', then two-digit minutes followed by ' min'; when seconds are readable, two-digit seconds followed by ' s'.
5 h 24 min
